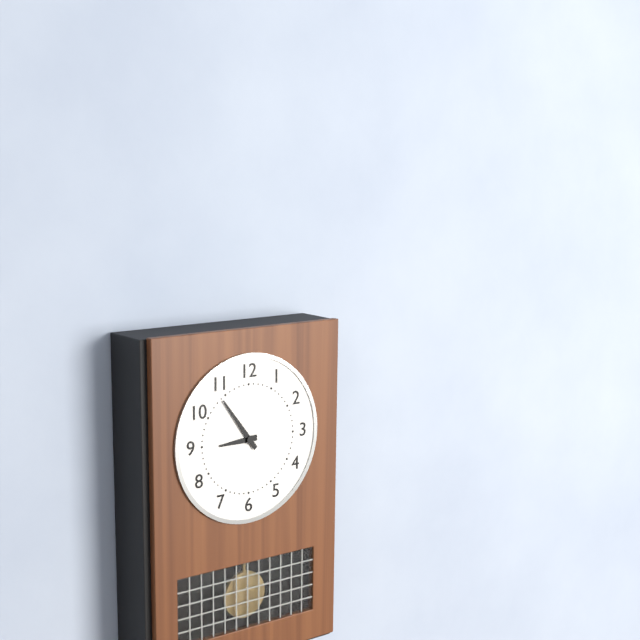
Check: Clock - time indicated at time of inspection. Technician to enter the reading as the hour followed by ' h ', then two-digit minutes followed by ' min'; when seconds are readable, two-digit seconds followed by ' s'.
8 h 54 min
